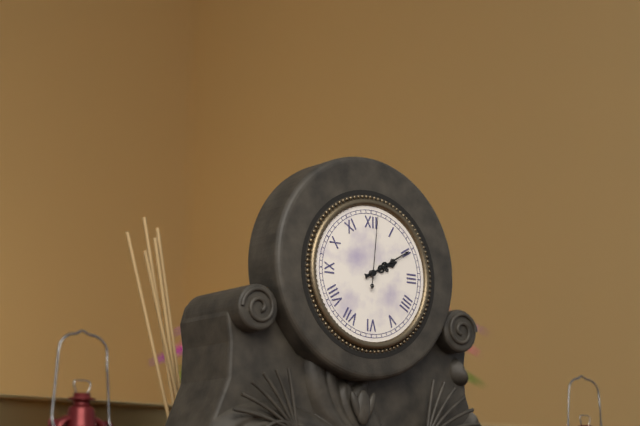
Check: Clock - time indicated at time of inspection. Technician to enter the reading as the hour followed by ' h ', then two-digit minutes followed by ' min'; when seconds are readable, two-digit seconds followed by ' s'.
2 h 10 min 01 s
